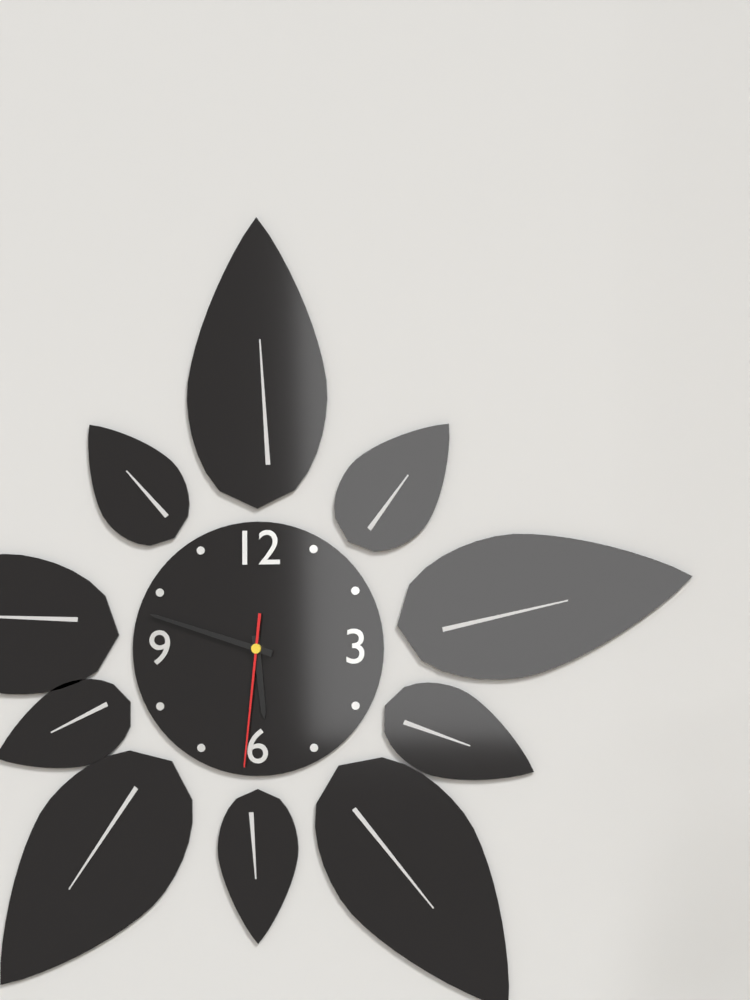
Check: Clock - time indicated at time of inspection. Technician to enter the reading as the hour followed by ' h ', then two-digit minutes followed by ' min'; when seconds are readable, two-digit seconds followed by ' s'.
5 h 48 min 31 s
